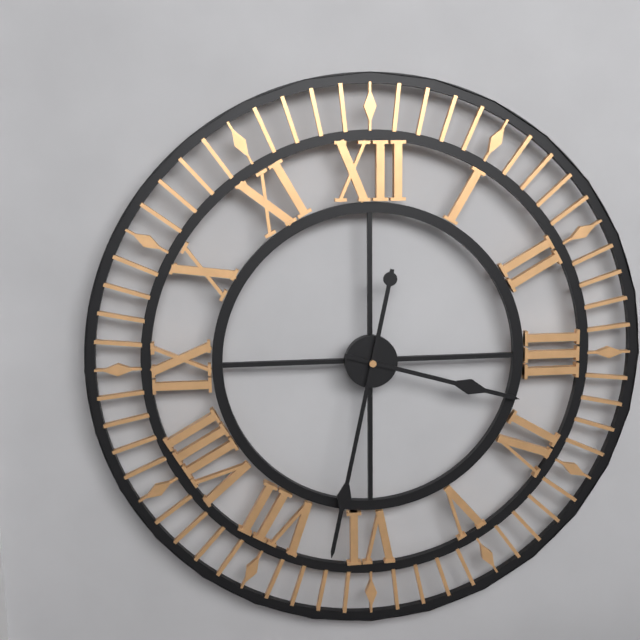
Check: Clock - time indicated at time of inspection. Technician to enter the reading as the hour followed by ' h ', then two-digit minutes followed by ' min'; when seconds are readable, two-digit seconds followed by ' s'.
3 h 32 min
